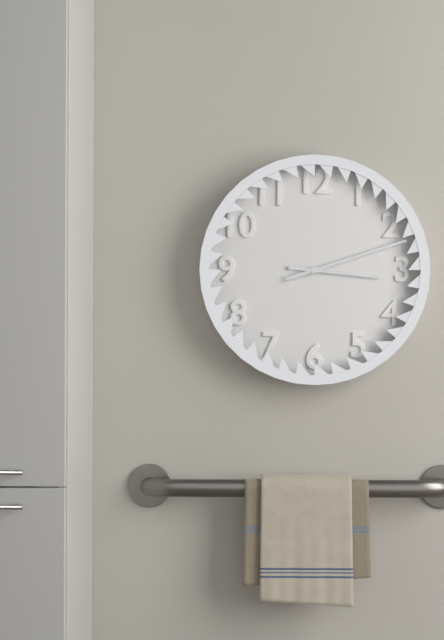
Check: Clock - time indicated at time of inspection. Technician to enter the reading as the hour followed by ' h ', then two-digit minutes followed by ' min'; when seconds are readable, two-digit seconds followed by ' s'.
3 h 12 min
